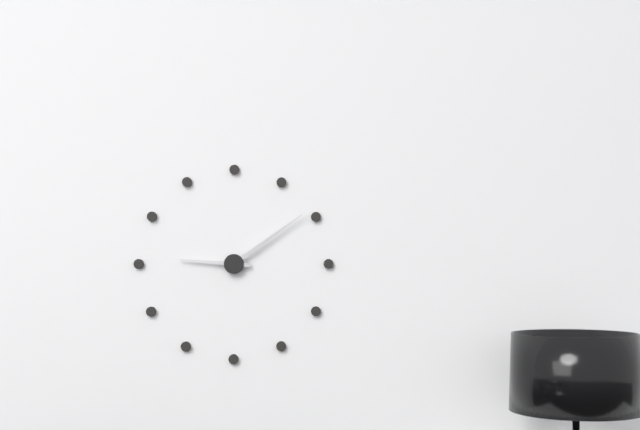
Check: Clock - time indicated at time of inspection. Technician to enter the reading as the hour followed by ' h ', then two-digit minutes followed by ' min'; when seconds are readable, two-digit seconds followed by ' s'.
9 h 09 min
